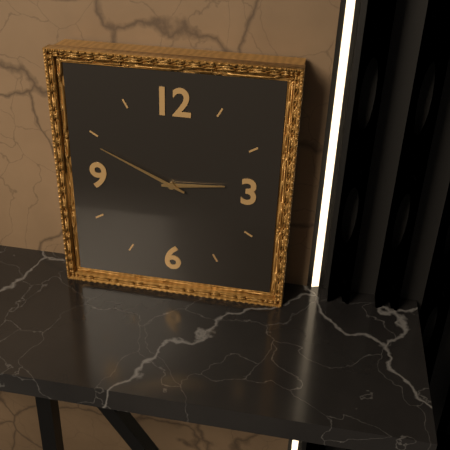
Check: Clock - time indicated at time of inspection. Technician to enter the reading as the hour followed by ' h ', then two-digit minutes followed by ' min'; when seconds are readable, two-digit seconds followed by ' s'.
2 h 49 min
